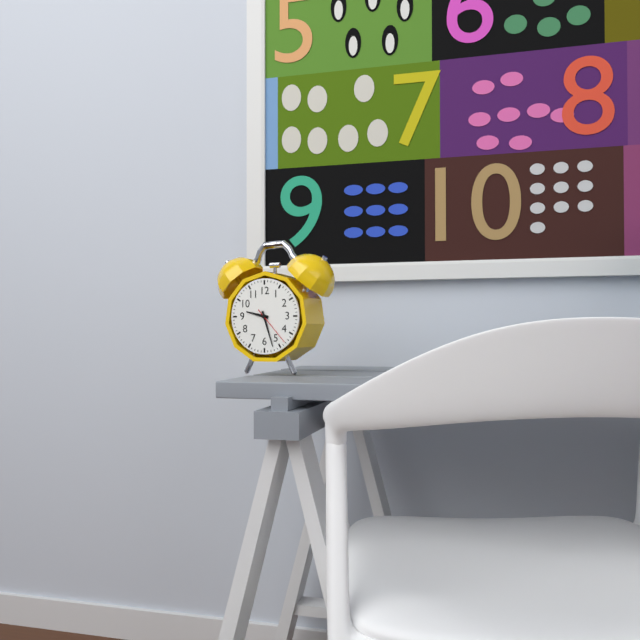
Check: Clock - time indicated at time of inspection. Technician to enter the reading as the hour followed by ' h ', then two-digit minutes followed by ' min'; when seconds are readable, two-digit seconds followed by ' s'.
9 h 27 min
